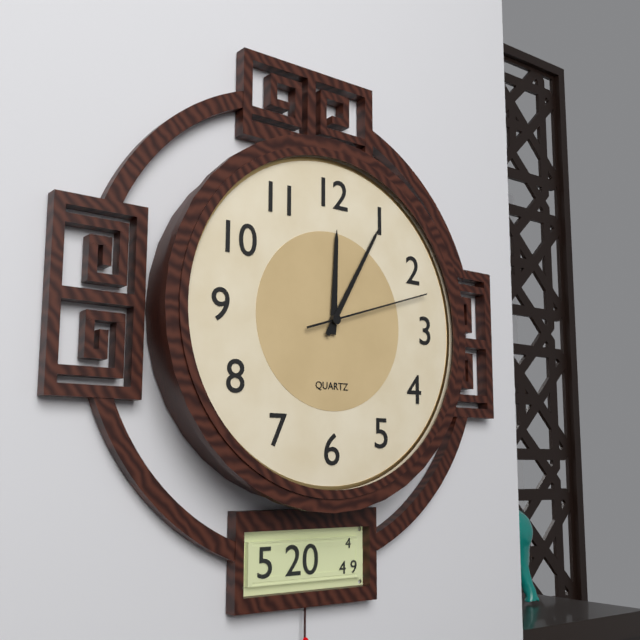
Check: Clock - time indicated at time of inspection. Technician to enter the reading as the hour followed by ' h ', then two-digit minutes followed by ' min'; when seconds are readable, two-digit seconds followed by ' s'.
12 h 05 min 12 s
